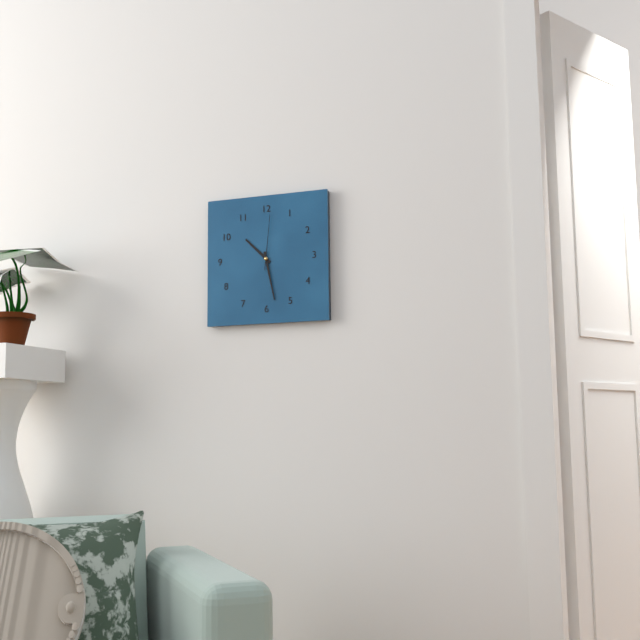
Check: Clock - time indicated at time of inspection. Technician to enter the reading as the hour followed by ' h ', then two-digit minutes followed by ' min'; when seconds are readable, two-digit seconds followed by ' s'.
10 h 28 min 01 s
